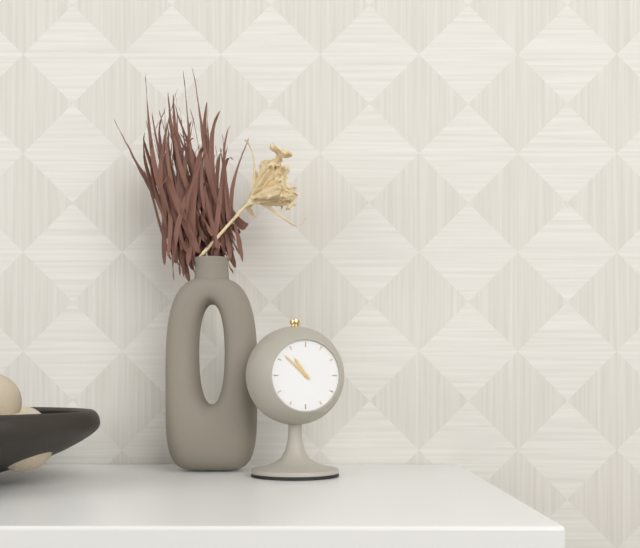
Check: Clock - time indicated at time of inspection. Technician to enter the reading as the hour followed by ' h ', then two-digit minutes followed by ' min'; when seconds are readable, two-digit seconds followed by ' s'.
10 h 52 min
